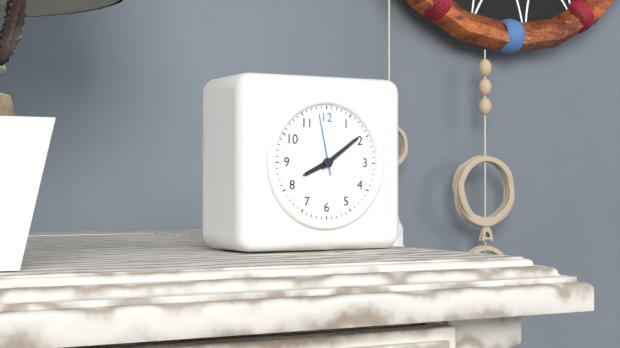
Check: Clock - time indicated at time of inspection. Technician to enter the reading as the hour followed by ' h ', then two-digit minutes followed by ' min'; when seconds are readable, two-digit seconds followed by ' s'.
8 h 09 min 58 s
